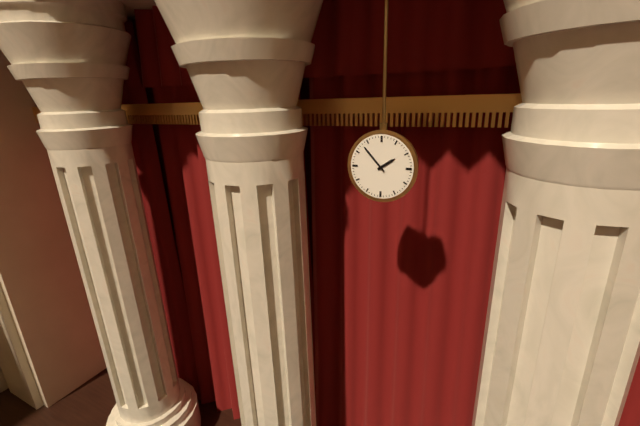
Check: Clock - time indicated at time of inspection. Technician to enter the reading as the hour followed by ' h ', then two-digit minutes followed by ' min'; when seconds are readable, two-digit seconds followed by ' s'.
1 h 53 min
